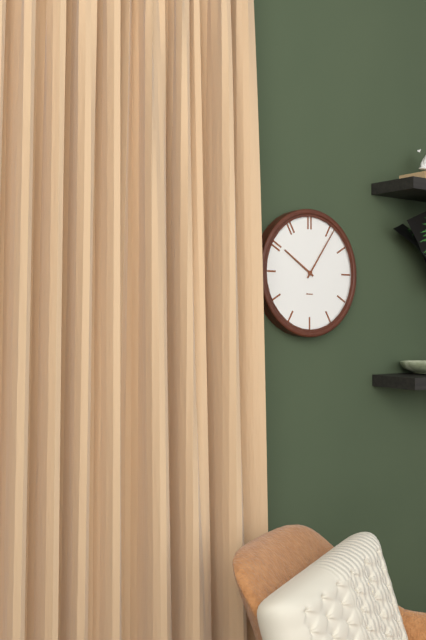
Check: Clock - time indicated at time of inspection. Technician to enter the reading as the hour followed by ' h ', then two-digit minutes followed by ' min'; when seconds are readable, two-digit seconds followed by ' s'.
10 h 06 min
